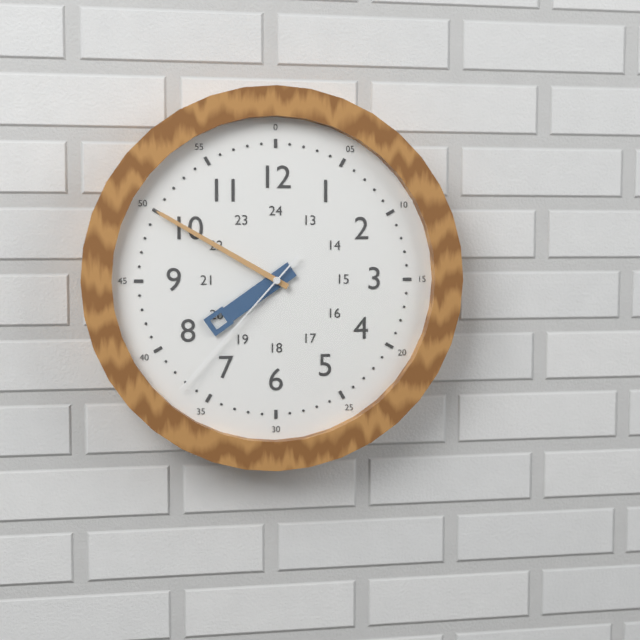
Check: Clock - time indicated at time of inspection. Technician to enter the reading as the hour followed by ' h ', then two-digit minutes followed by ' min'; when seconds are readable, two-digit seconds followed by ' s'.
7 h 50 min 37 s
